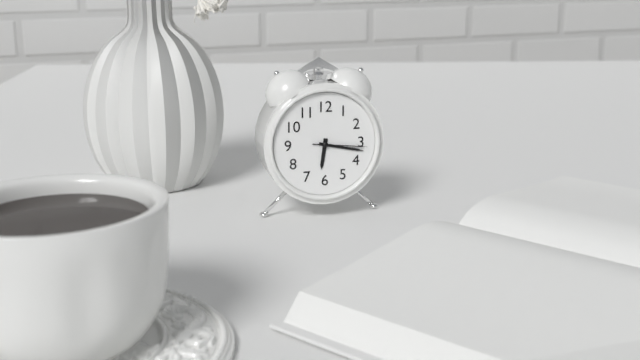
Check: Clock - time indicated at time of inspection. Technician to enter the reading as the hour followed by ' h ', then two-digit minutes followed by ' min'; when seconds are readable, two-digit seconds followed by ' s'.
6 h 17 min 16 s
